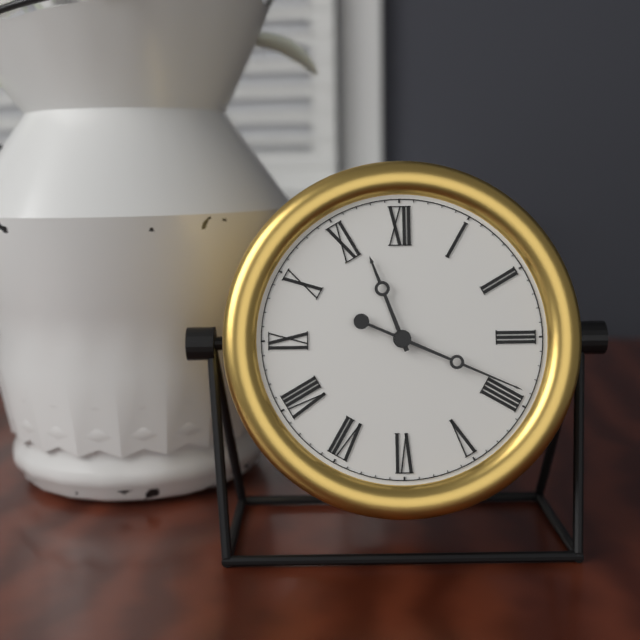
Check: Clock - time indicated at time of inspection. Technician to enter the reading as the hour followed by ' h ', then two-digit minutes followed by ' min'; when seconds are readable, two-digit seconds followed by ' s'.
11 h 19 min
